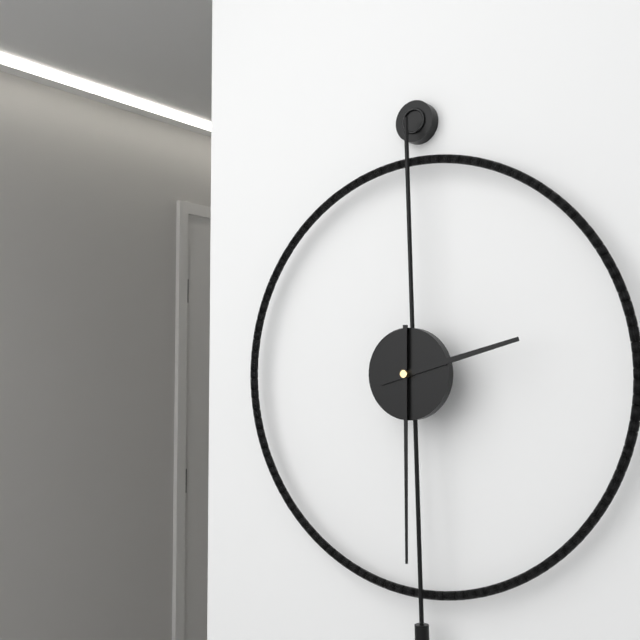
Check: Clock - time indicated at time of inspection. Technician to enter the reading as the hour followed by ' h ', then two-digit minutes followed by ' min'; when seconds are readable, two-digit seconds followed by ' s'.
2 h 30 min
